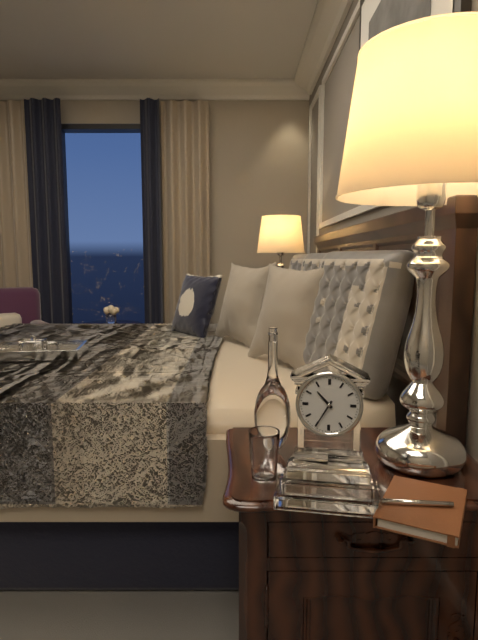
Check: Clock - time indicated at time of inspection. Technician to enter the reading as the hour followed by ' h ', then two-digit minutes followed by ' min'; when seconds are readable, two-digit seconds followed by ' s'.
10 h 35 min
